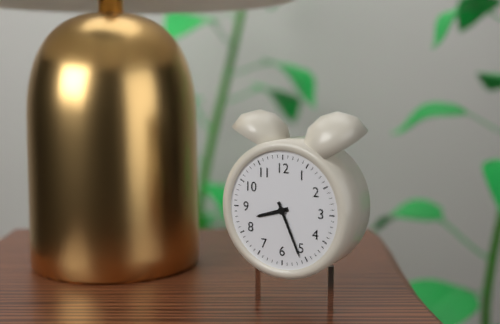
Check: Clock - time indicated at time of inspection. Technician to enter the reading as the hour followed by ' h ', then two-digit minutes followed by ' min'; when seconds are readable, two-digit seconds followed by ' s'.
8 h 26 min
